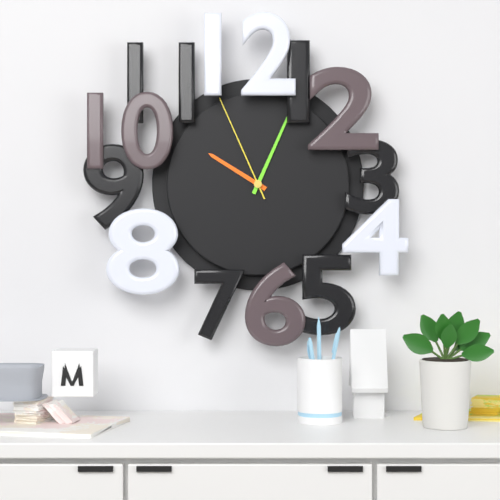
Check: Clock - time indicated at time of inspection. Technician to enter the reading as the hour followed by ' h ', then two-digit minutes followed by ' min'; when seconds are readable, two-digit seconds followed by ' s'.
10 h 04 min 56 s
